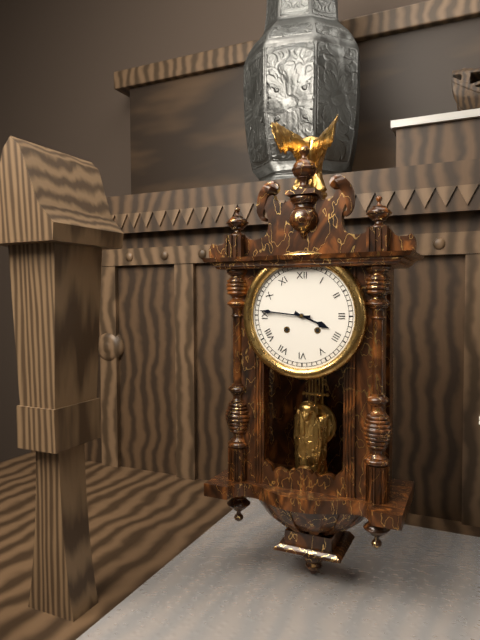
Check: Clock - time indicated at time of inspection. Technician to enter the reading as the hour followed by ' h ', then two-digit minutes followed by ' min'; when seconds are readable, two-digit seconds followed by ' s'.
3 h 46 min
